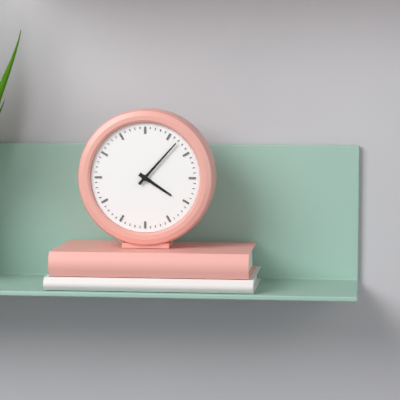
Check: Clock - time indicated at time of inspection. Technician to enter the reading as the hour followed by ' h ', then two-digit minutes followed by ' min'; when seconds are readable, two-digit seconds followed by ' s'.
4 h 07 min
